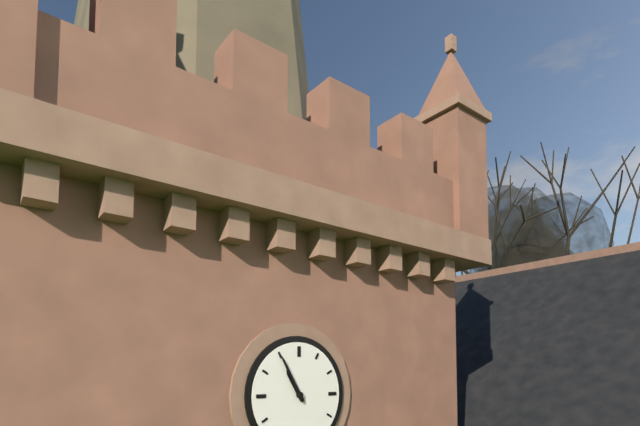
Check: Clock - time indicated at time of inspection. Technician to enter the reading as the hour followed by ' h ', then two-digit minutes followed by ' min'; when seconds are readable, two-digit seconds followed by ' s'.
10 h 55 min
